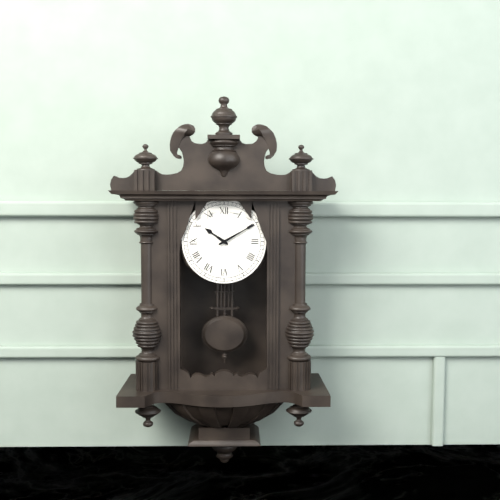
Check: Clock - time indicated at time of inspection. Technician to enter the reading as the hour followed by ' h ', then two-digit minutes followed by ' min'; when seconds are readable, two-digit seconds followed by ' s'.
10 h 10 min
